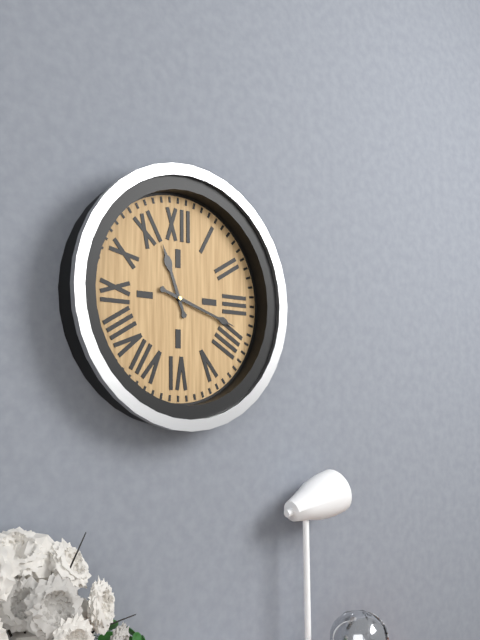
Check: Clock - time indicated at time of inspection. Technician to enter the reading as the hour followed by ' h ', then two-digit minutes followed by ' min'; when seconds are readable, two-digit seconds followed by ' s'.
11 h 18 min
